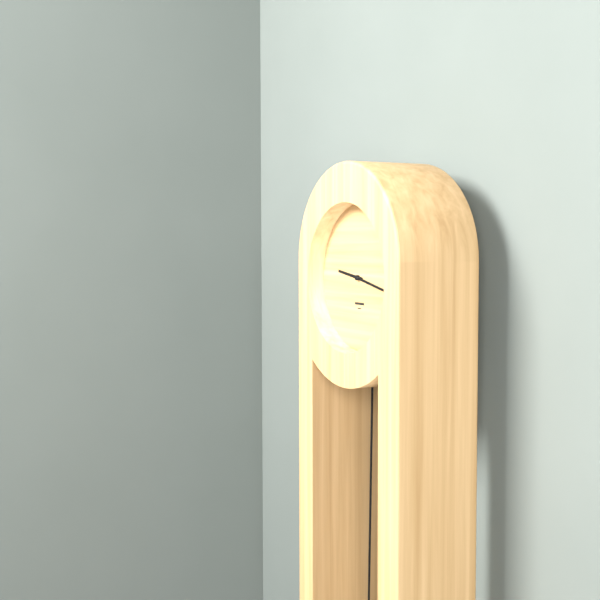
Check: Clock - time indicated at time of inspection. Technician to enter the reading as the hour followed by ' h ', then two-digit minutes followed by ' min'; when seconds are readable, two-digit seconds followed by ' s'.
9 h 17 min
